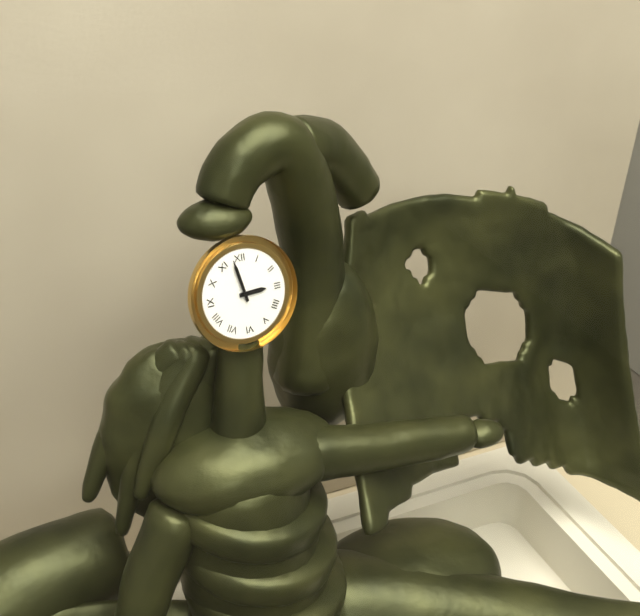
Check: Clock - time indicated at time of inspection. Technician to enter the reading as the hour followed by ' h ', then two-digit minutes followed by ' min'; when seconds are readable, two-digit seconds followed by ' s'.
2 h 58 min
